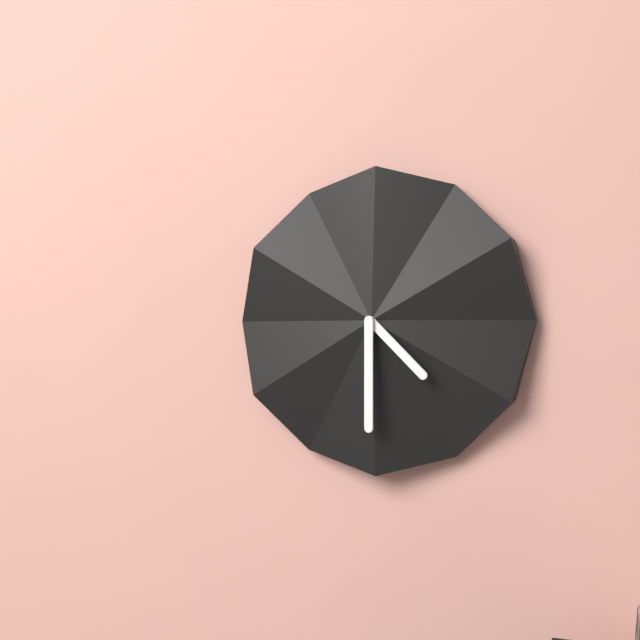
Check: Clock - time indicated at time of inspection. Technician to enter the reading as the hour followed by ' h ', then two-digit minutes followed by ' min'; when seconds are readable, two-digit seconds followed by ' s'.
4 h 30 min
